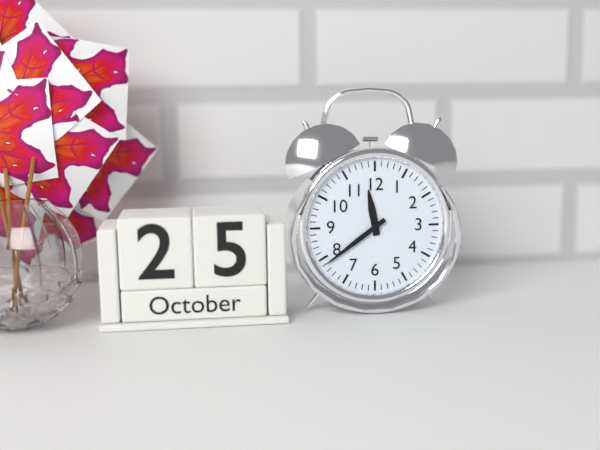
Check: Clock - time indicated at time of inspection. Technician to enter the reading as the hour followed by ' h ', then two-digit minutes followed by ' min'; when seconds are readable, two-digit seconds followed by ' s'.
11 h 39 min
